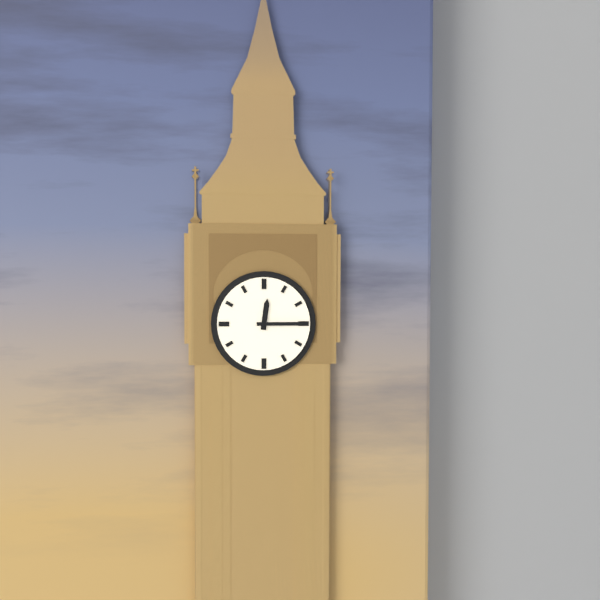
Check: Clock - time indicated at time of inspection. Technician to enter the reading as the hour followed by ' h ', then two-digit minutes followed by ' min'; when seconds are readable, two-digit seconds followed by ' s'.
12 h 15 min
